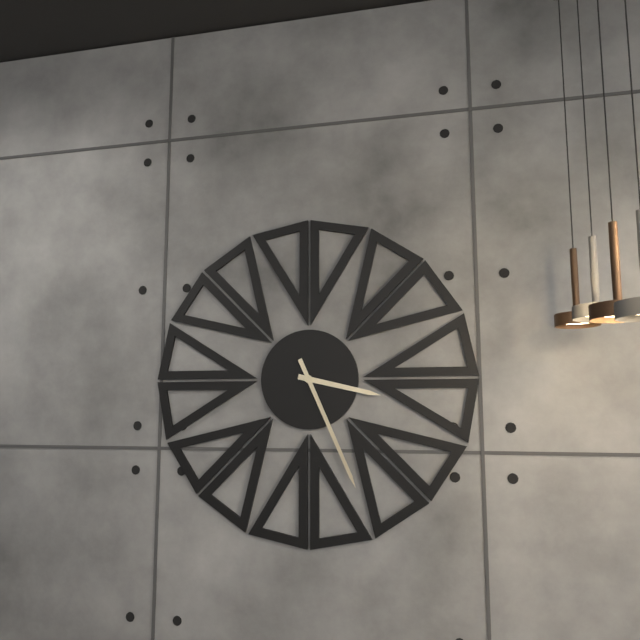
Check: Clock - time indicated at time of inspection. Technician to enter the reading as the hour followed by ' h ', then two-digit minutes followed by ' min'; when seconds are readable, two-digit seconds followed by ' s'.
3 h 26 min
